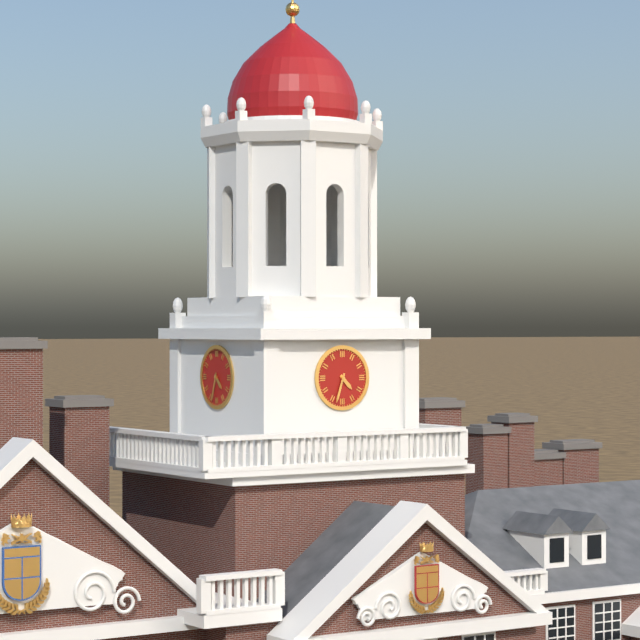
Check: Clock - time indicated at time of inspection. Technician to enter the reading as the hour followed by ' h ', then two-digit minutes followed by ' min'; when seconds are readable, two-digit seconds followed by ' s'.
4 h 33 min
